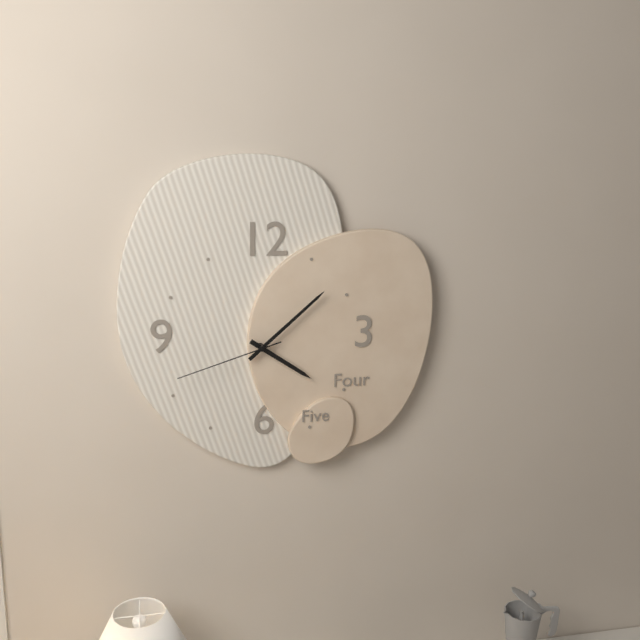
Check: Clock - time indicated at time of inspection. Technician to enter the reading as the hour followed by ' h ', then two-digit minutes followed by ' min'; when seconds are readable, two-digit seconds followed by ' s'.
4 h 08 min 42 s
